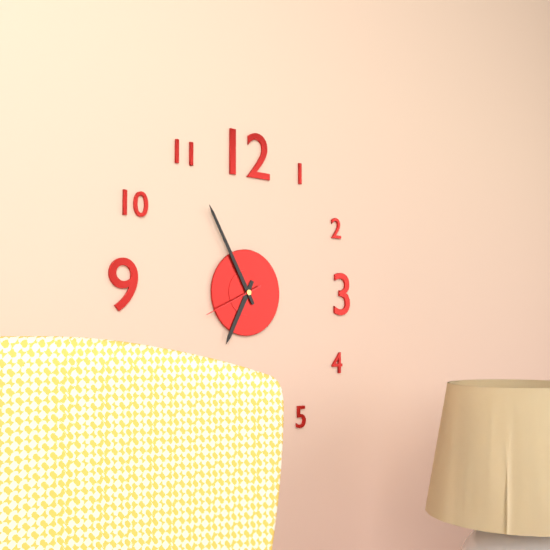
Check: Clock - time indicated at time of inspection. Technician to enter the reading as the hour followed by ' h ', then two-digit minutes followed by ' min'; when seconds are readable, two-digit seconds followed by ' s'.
6 h 55 min 41 s
